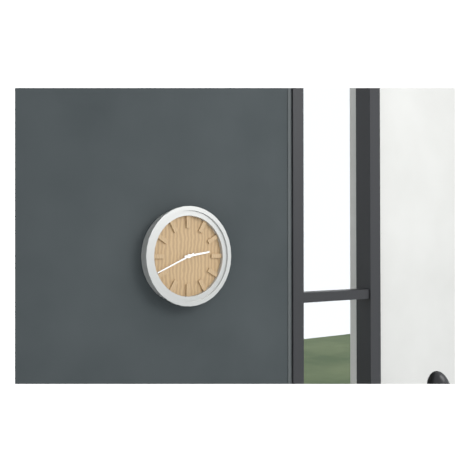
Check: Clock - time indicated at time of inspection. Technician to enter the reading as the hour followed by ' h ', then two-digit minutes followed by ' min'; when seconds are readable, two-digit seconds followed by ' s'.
2 h 41 min
